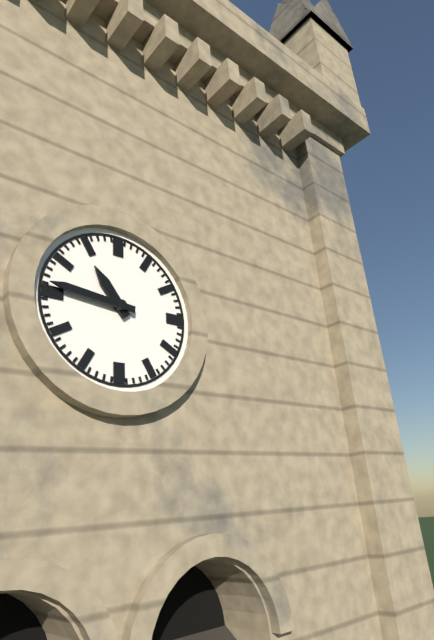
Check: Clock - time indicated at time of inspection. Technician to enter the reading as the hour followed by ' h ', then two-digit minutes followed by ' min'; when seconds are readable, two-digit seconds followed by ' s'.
10 h 46 min
